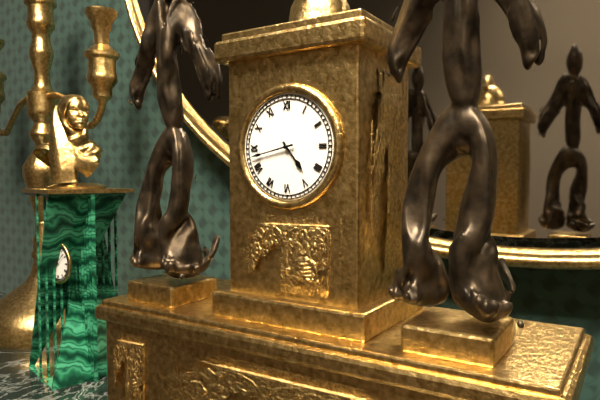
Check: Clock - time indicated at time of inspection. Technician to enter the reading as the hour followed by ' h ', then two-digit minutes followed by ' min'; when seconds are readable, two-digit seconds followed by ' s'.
4 h 43 min
